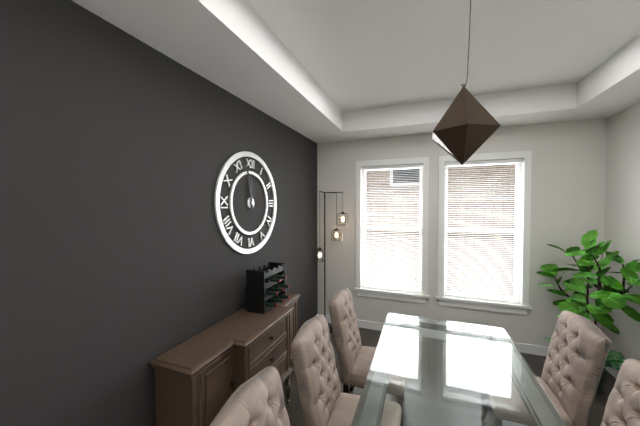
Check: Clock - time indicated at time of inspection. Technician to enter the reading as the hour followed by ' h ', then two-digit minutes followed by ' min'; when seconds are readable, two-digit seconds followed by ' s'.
11 h 58 min
